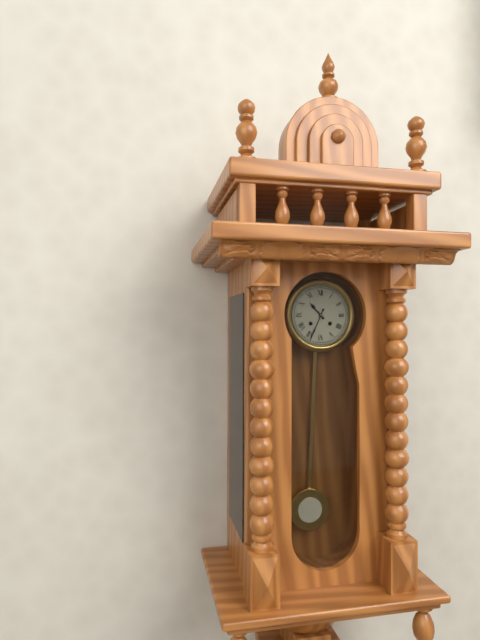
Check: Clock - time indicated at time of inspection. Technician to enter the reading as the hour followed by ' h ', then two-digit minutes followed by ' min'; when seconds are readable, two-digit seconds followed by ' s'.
10 h 34 min
